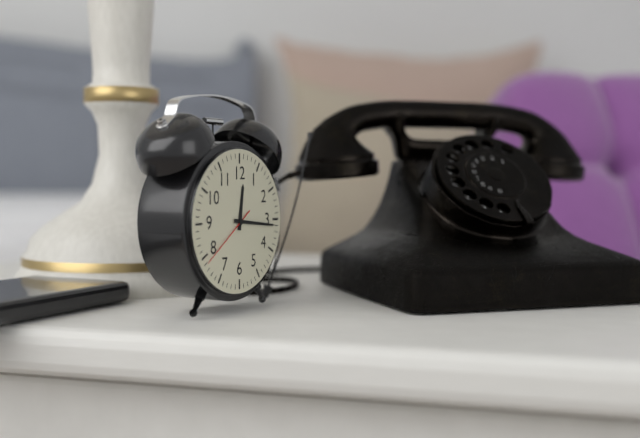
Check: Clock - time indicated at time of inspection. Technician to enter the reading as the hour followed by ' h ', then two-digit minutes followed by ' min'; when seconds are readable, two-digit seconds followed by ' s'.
12 h 16 min 39 s
